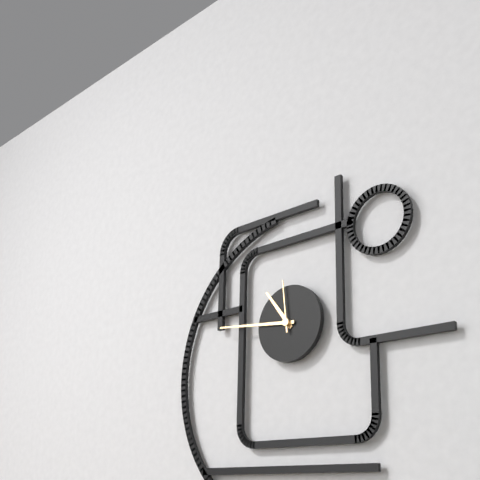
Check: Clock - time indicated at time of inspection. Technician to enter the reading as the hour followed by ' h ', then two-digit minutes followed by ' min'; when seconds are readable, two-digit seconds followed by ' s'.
10 h 46 min 59 s
